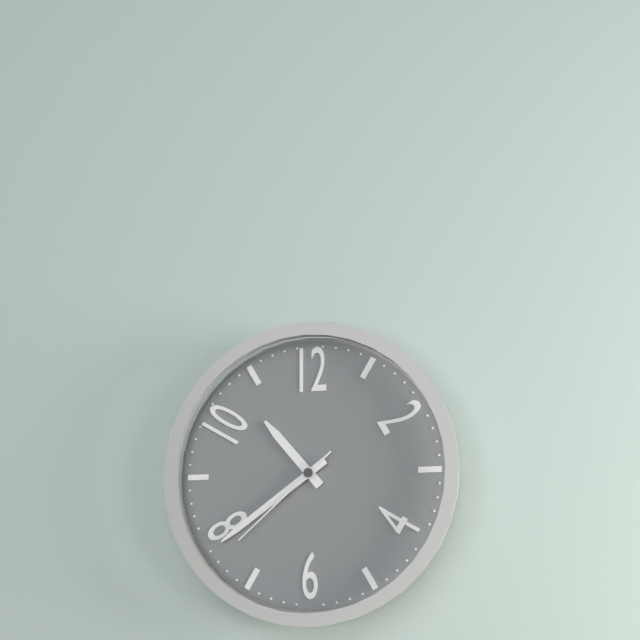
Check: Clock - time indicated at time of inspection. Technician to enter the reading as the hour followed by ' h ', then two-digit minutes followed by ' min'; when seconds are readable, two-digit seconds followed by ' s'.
10 h 39 min 38 s
